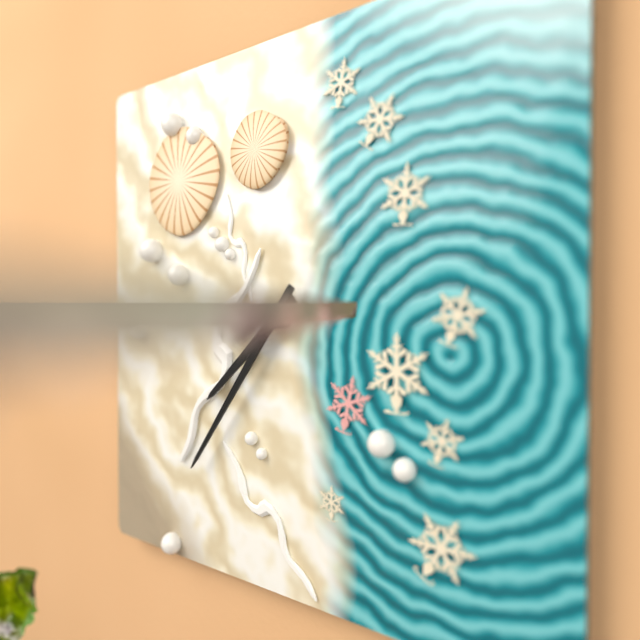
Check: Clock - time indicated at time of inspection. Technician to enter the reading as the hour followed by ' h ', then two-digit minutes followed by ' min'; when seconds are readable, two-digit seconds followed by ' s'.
7 h 36 min
